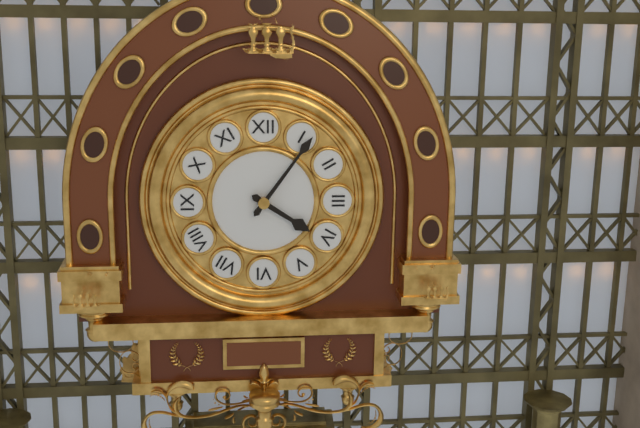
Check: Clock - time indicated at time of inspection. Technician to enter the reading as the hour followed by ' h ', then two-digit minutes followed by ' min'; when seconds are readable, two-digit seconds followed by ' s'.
4 h 06 min
